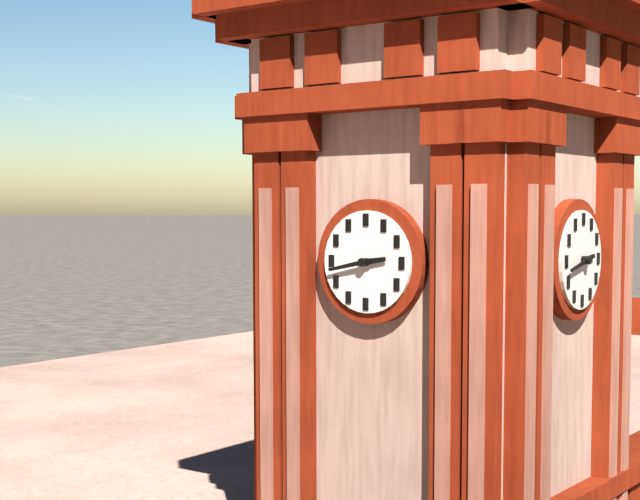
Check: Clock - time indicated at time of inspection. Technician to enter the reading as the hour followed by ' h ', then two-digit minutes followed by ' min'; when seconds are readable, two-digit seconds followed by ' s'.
2 h 43 min
